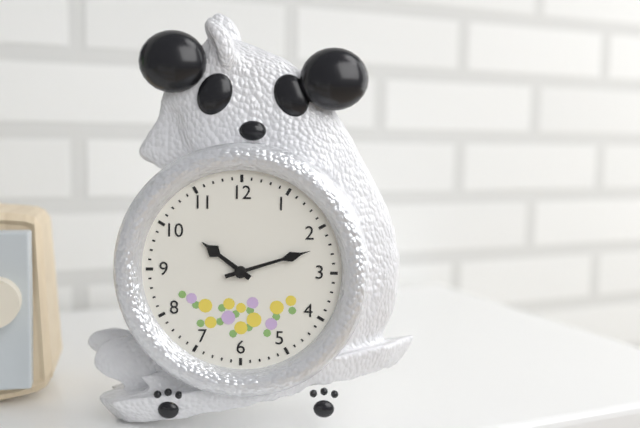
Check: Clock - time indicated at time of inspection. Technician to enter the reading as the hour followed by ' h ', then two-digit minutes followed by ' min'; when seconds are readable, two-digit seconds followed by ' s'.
10 h 12 min
